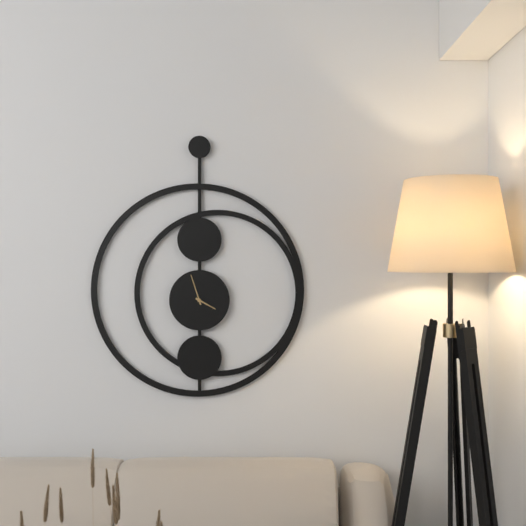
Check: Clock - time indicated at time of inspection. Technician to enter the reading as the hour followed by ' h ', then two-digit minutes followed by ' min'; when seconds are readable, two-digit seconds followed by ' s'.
3 h 57 min
